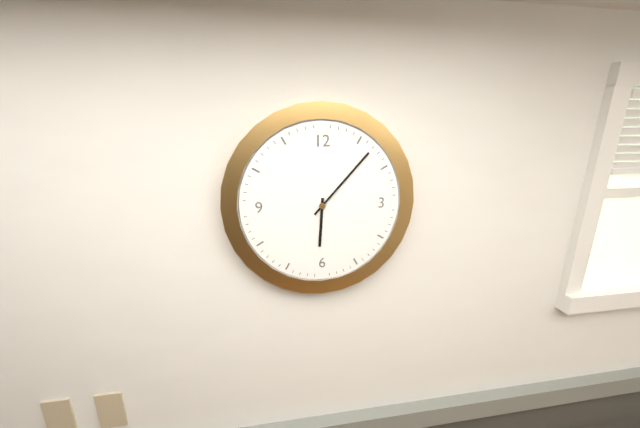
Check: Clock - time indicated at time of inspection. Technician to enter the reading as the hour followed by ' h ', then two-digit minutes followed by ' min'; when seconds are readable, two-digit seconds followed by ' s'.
6 h 07 min
